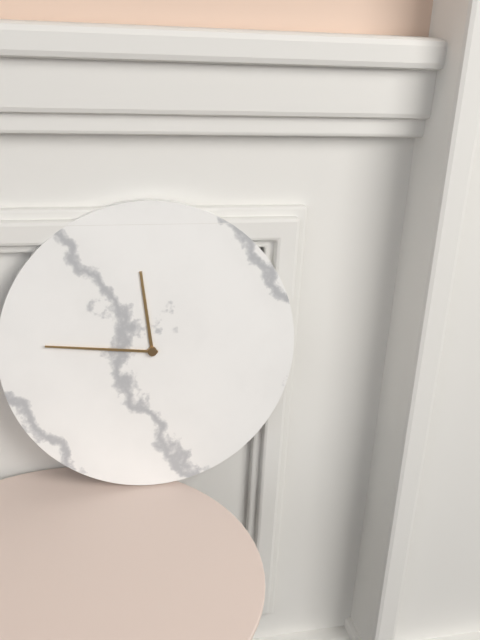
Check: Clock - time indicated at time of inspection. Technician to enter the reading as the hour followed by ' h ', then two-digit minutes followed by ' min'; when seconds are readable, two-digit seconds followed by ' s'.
11 h 46 min
